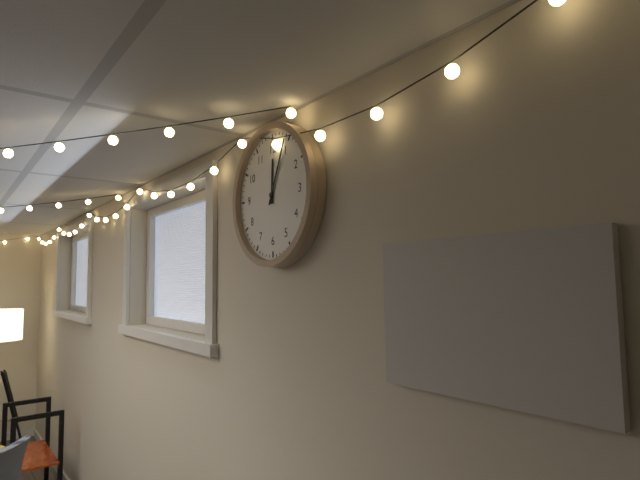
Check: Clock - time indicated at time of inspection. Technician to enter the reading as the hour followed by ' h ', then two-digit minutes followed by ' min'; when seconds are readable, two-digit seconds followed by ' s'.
12 h 04 min
